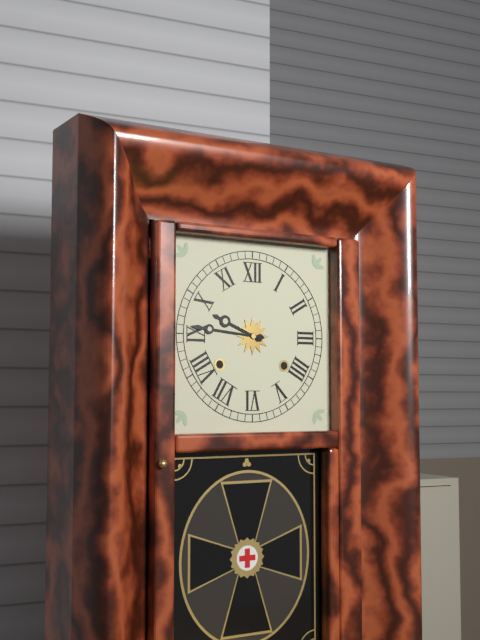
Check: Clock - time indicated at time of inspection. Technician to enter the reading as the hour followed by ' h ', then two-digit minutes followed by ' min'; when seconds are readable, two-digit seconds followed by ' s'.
9 h 46 min
